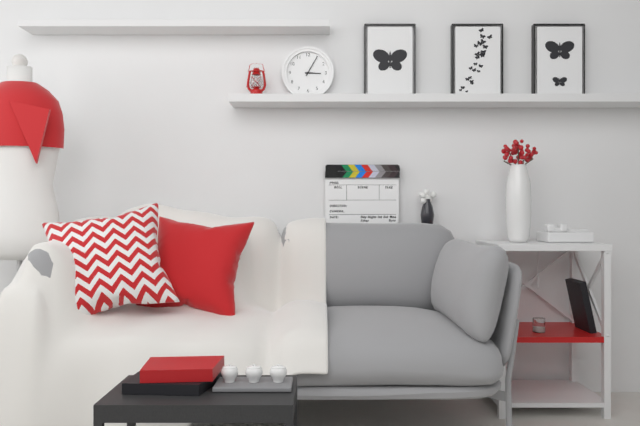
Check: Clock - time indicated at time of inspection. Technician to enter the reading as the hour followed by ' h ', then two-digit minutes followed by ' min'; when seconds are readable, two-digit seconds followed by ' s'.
3 h 05 min
